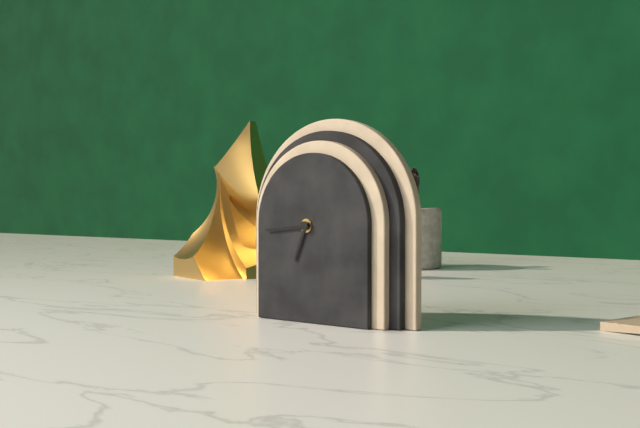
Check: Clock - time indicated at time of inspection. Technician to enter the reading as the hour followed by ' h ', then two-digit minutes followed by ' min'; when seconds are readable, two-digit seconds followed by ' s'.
6 h 44 min
